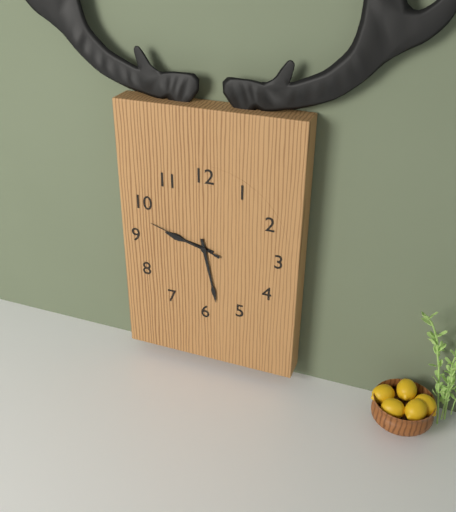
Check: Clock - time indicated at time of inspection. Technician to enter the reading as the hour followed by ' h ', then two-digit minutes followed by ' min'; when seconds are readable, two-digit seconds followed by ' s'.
9 h 28 min 48 s
